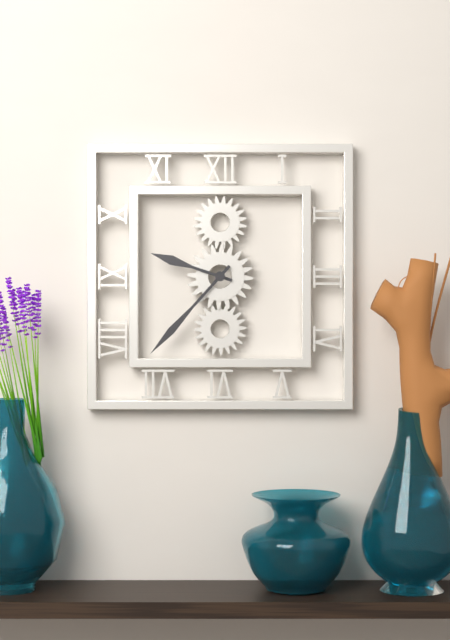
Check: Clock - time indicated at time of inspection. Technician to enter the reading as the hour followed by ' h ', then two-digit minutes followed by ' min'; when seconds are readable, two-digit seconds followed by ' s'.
9 h 37 min
